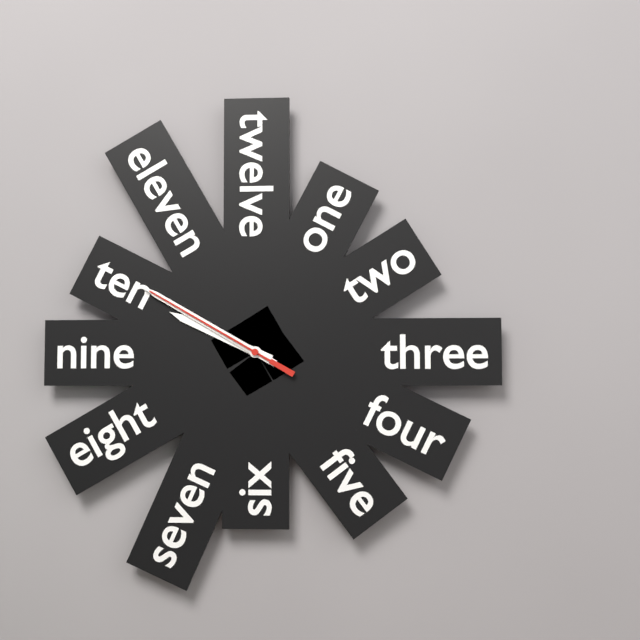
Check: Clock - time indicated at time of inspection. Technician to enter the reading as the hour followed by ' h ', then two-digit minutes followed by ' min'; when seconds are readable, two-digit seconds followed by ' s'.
9 h 50 min 50 s
